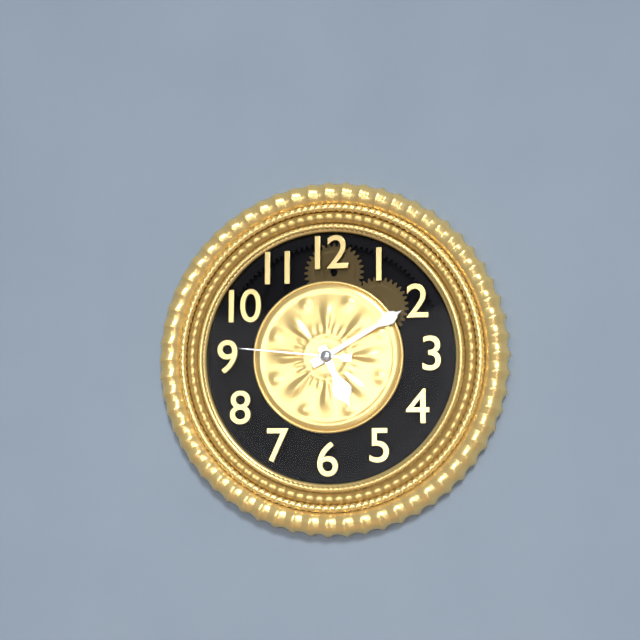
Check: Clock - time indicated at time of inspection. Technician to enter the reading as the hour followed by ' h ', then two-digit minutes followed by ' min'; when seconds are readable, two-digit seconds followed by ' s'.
5 h 10 min 46 s
